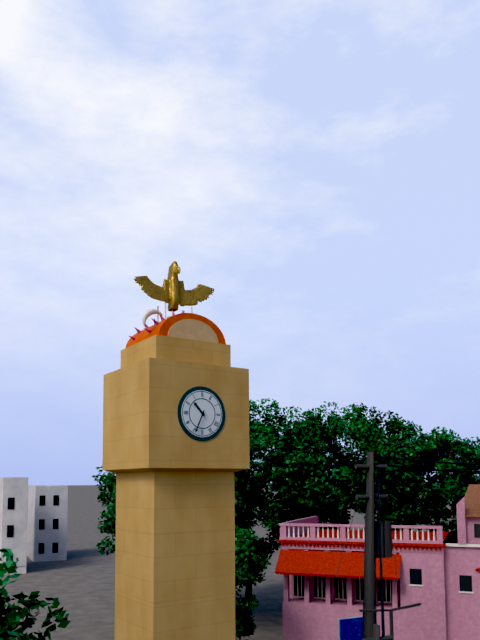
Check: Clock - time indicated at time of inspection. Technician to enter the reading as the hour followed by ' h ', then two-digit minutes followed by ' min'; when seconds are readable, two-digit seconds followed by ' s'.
10 h 34 min
